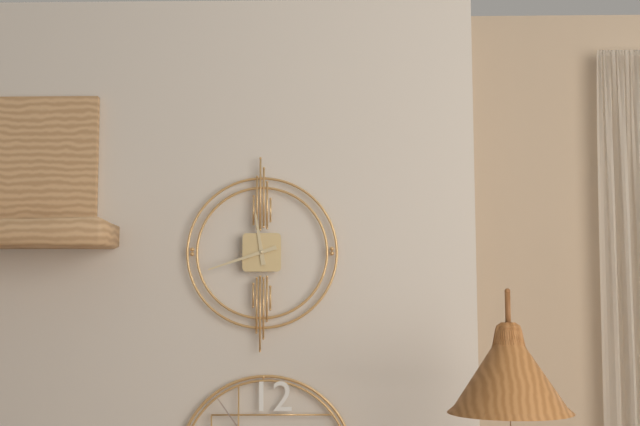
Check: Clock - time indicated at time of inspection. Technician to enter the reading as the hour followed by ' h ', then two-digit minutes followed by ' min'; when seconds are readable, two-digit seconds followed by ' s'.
11 h 42 min
